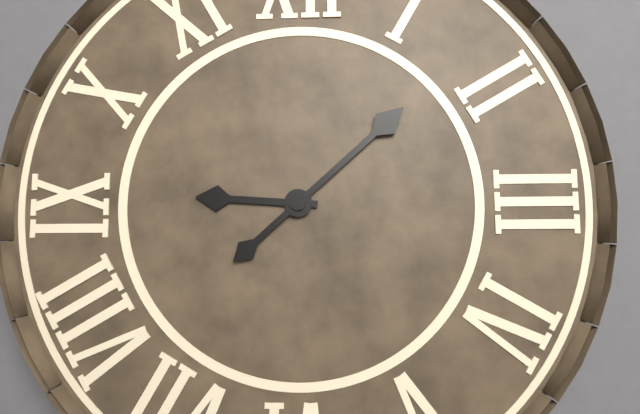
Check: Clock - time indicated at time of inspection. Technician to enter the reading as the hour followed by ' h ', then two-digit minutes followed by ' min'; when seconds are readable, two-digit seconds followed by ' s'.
9 h 08 min
